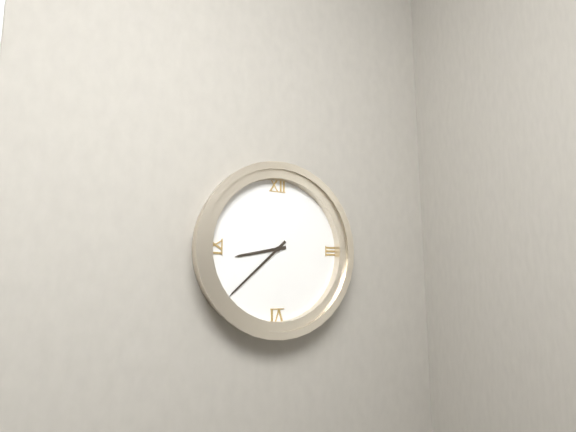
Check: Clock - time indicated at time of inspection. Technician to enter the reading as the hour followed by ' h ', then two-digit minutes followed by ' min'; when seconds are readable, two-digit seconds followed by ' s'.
8 h 38 min
